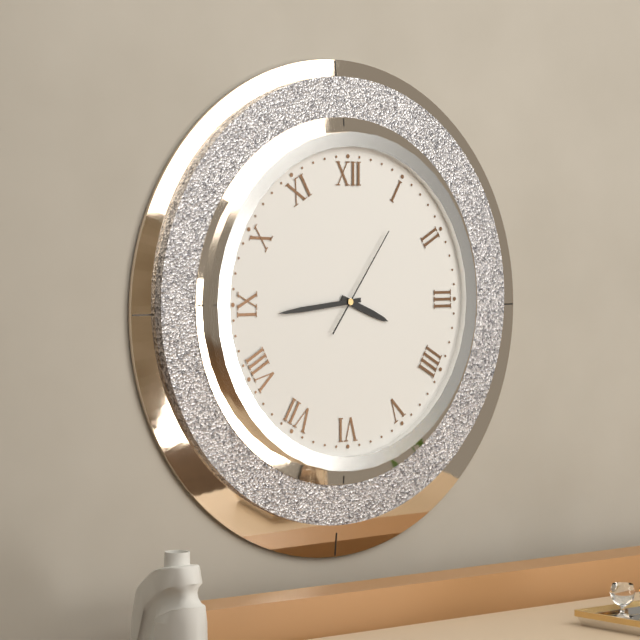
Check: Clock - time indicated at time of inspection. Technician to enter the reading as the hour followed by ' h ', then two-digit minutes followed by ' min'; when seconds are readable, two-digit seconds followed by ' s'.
3 h 44 min 06 s
